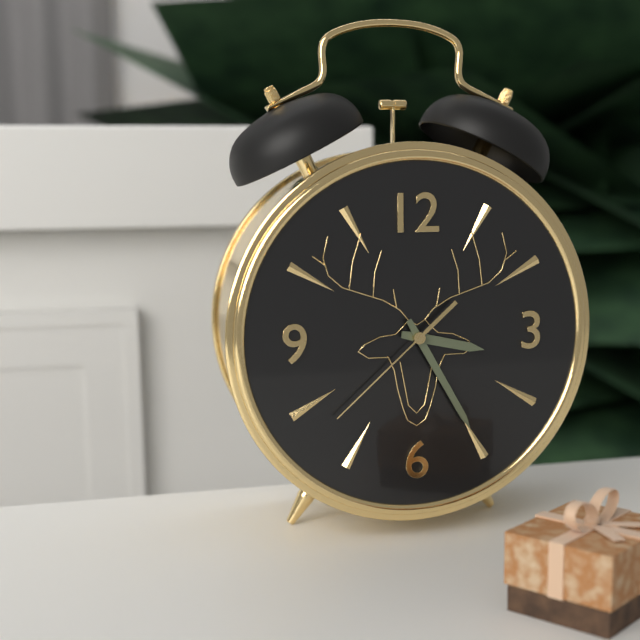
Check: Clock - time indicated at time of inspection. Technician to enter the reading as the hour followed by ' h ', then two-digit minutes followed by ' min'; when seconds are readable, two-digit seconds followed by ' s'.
3 h 25 min 38 s
